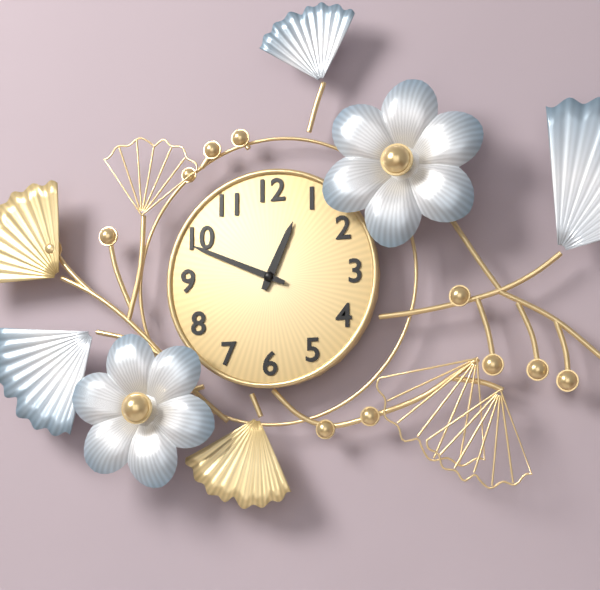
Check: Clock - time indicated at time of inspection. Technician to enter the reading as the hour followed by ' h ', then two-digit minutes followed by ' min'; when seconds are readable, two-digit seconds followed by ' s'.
12 h 49 min
